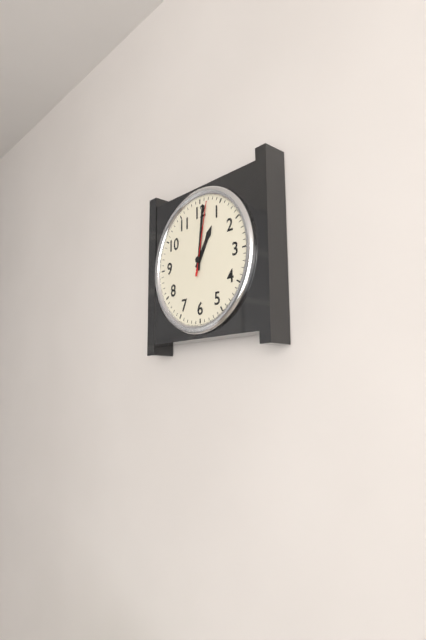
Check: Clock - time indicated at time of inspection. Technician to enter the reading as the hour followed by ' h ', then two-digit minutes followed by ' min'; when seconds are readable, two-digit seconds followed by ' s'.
1 h 01 min 02 s
